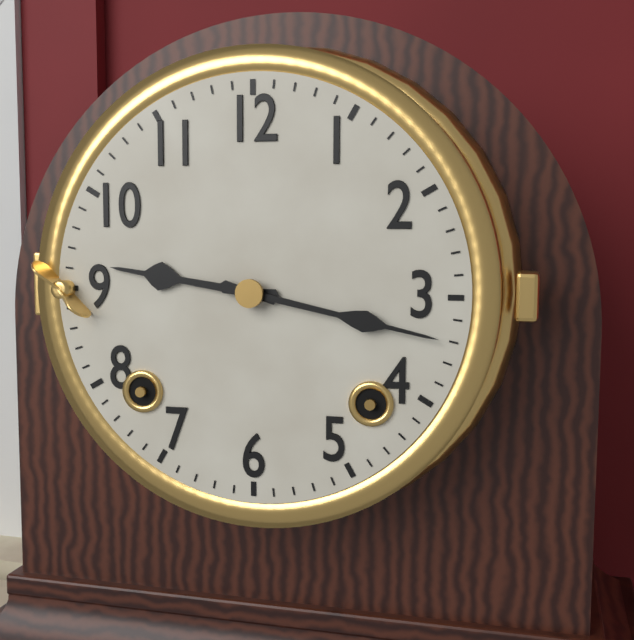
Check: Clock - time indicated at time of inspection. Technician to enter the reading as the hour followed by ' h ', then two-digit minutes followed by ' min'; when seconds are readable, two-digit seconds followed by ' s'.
9 h 17 min
